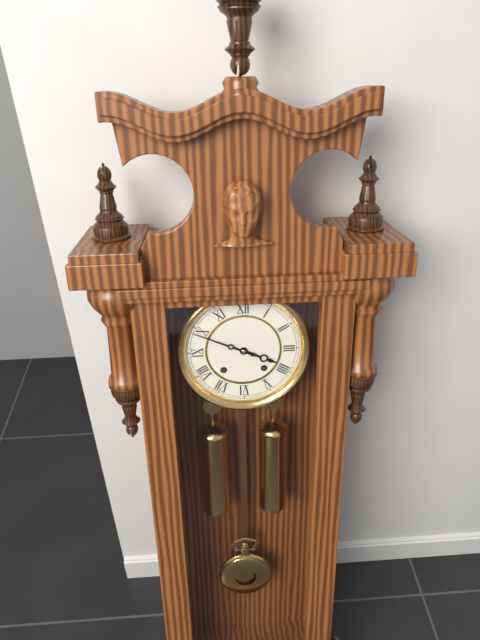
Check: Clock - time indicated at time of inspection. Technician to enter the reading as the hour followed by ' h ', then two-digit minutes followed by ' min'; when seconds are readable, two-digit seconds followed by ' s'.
3 h 49 min
